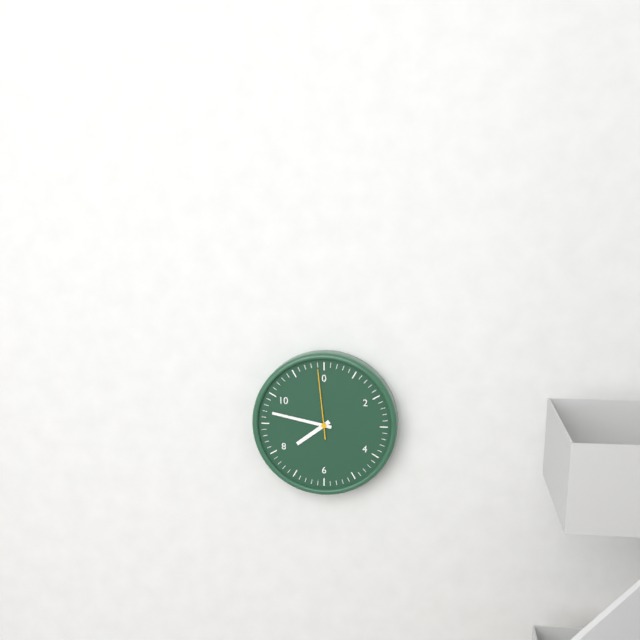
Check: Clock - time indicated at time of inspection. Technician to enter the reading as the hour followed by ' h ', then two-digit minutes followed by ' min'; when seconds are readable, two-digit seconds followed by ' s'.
7 h 47 min 59 s
